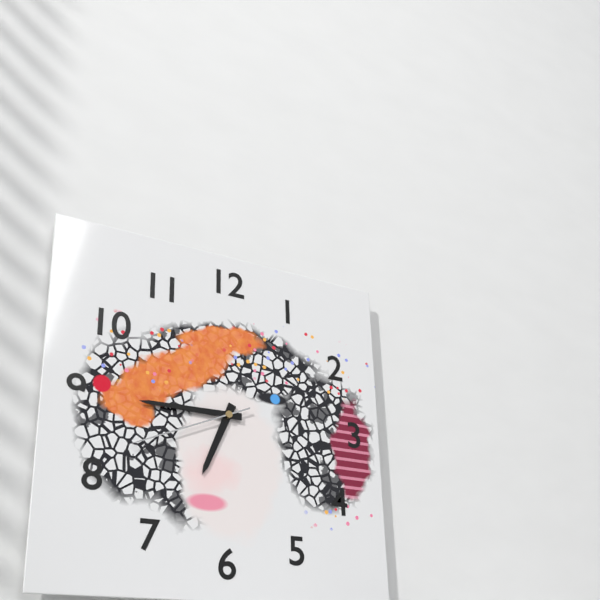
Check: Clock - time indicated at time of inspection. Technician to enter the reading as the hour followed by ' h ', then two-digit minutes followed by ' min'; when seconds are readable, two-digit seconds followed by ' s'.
6 h 45 min 41 s
